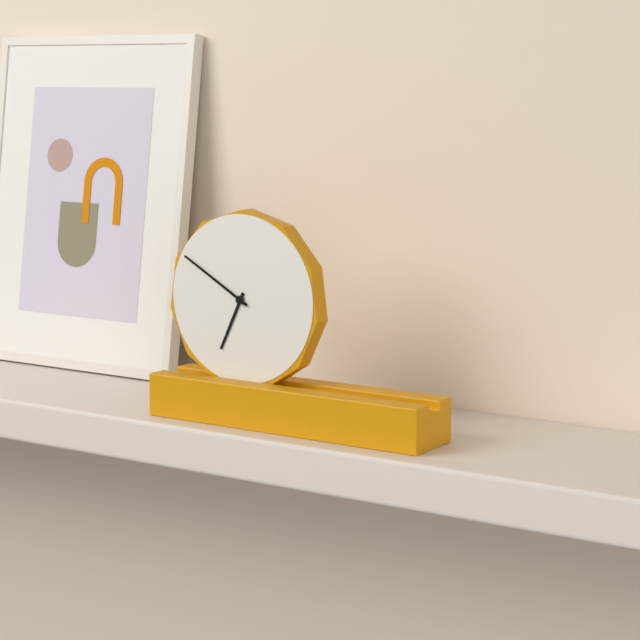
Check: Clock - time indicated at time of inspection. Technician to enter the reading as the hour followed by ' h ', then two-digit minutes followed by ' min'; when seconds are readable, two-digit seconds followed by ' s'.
6 h 50 min
